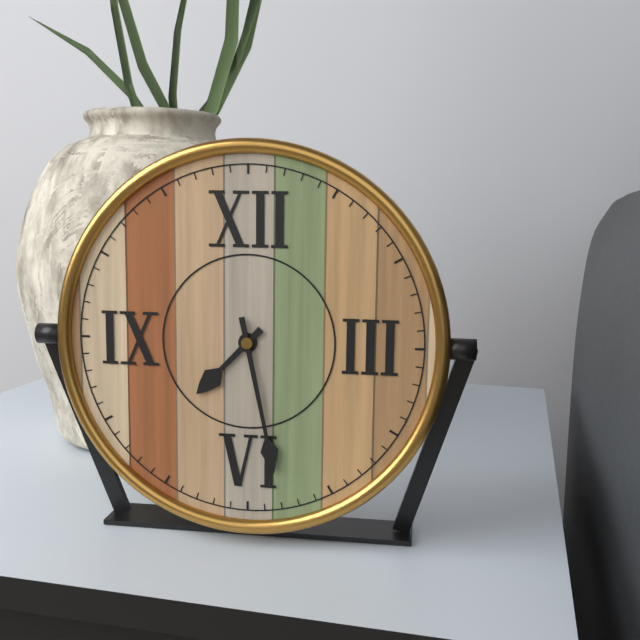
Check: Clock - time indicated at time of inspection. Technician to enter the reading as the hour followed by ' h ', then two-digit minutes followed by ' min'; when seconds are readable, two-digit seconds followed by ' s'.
7 h 28 min
